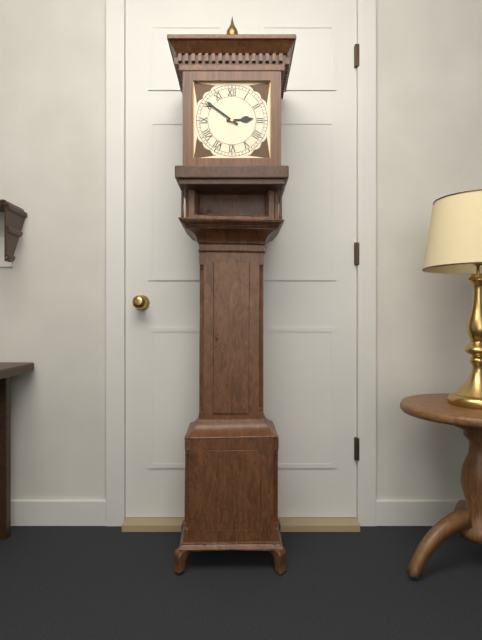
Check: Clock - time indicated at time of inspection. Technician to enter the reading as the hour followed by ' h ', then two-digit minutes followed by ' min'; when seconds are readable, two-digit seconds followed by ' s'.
2 h 51 min
